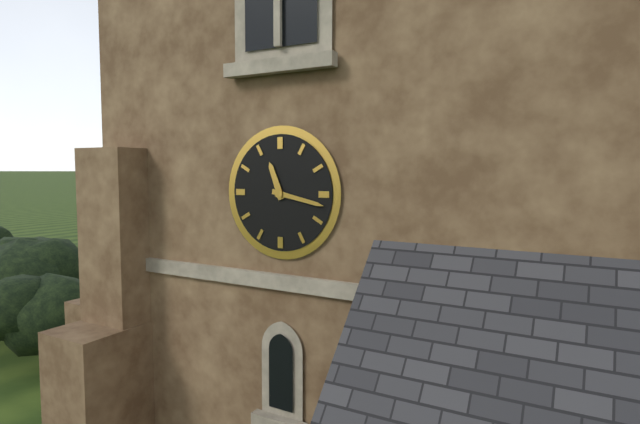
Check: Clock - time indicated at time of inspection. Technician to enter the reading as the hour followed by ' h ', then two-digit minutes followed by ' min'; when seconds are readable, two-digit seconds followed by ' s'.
11 h 17 min
